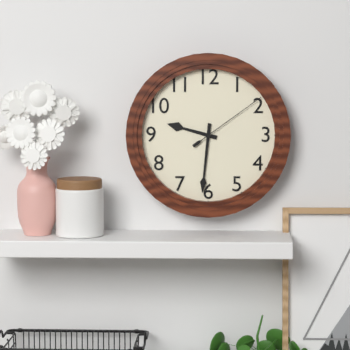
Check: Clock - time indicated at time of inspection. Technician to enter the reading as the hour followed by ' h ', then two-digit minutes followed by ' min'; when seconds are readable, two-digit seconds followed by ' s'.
9 h 31 min 09 s
